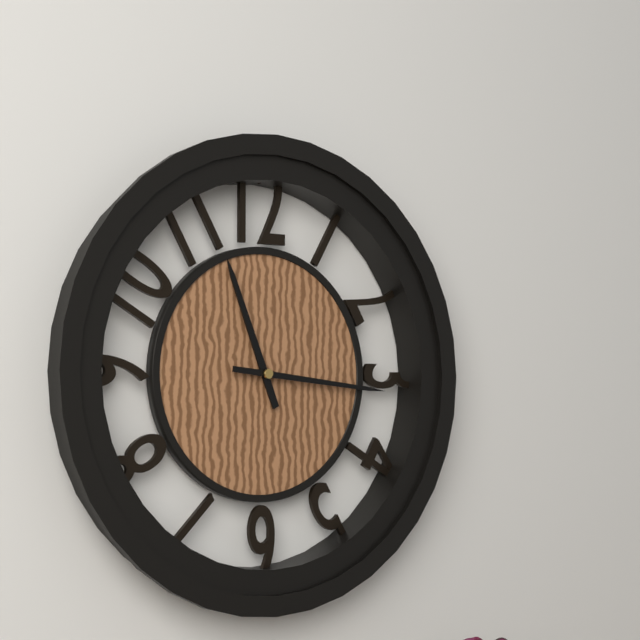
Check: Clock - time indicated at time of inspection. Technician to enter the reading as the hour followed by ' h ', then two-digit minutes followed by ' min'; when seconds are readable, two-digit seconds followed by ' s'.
11 h 16 min
